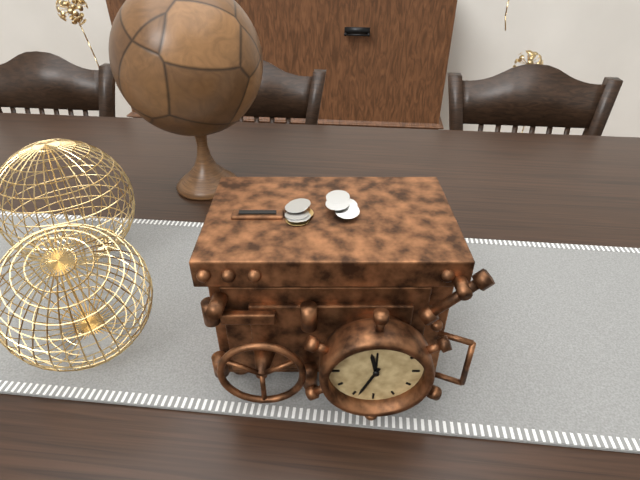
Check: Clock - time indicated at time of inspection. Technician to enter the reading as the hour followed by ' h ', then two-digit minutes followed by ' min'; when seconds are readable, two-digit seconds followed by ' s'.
11 h 34 min
